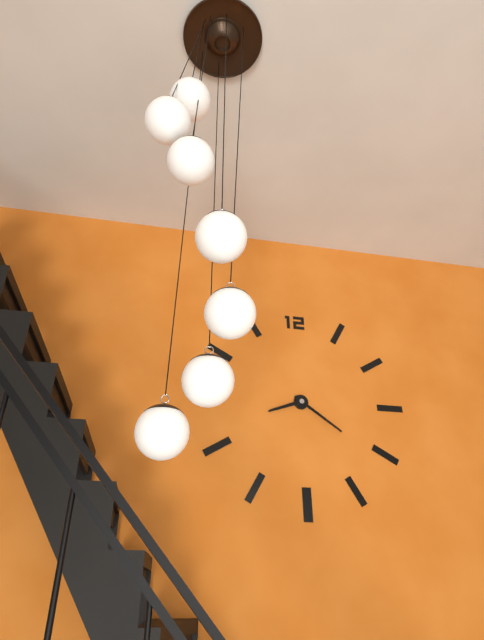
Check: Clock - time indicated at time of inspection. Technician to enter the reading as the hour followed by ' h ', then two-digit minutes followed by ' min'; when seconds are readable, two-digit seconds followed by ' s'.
8 h 21 min
